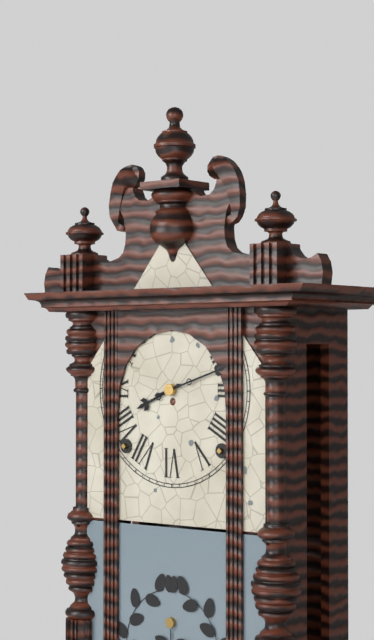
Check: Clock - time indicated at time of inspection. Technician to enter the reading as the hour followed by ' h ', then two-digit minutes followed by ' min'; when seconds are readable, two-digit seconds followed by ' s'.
8 h 12 min
